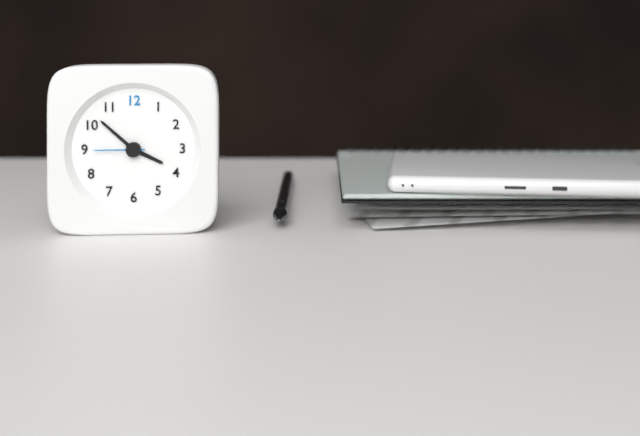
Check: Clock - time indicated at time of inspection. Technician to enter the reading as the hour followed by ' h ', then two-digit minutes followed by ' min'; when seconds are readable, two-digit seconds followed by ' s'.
3 h 52 min 45 s
